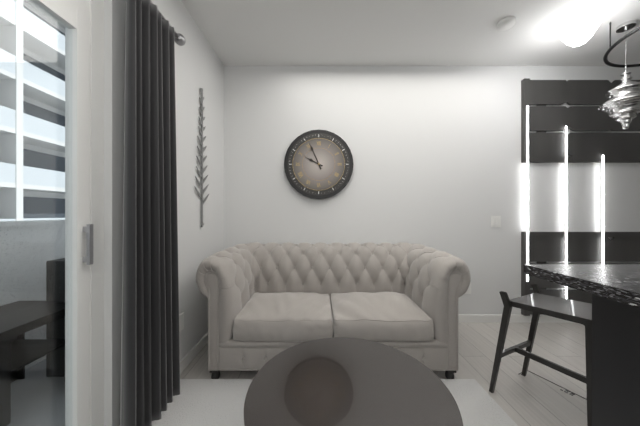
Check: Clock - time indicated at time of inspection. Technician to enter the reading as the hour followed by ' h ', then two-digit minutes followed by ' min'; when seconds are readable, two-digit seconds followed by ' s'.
9 h 56 min
